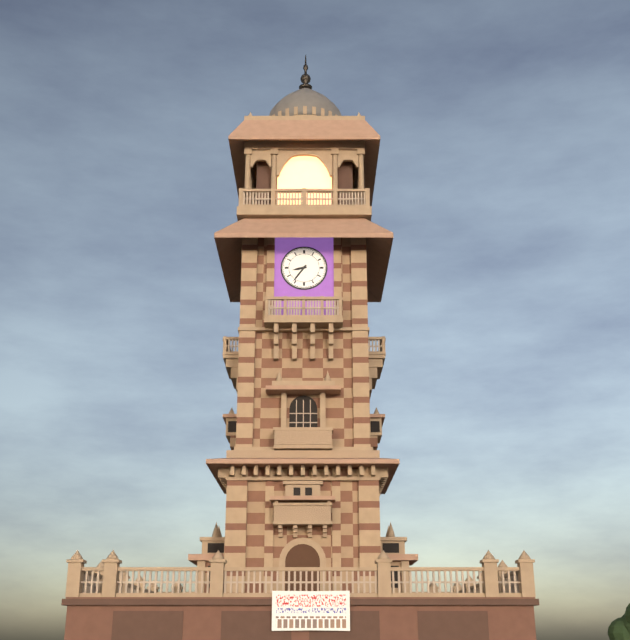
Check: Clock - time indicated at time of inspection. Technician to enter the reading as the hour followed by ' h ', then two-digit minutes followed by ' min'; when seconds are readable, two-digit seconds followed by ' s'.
8 h 36 min
